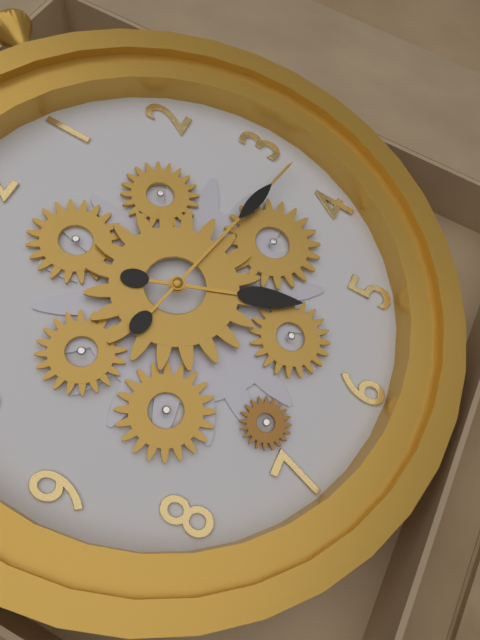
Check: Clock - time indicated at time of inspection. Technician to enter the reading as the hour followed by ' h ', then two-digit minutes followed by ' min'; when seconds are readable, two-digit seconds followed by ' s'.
5 h 17 min
